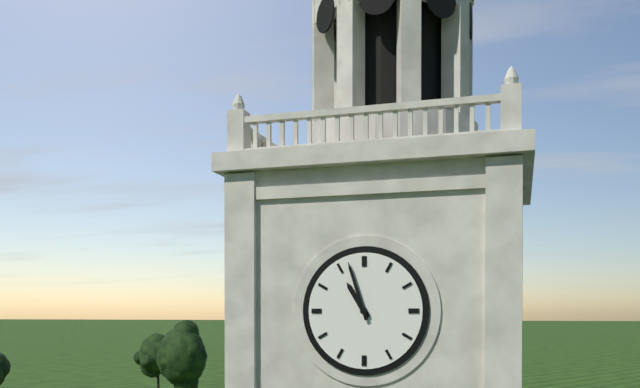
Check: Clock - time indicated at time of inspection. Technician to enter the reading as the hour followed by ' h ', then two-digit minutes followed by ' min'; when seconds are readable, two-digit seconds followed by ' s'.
10 h 57 min
